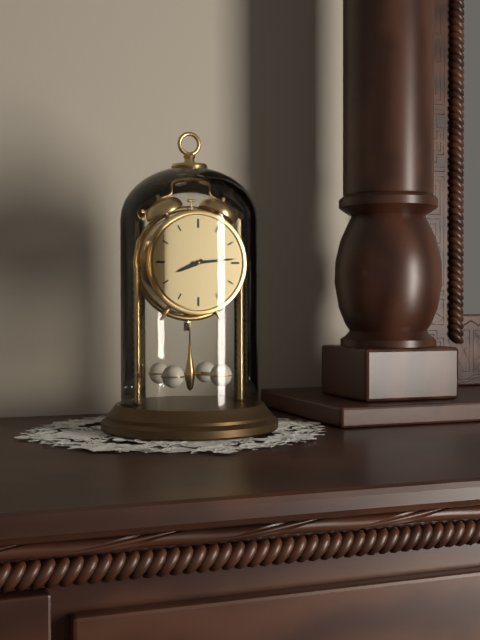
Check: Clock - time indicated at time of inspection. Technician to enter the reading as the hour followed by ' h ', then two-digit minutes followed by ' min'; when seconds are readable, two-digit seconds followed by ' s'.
8 h 14 min
